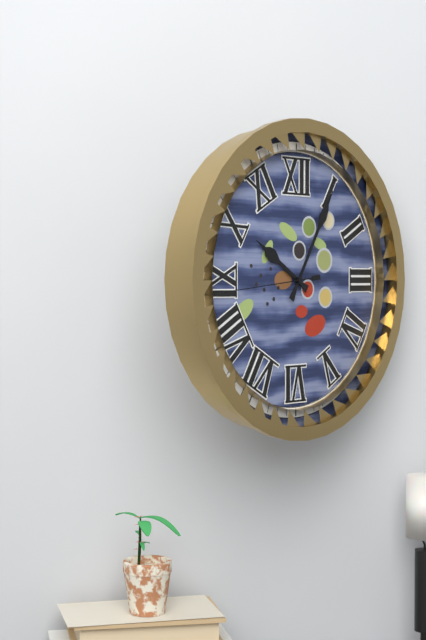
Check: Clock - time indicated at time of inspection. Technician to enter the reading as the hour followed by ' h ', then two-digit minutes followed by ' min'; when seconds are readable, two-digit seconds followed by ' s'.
10 h 05 min 44 s
